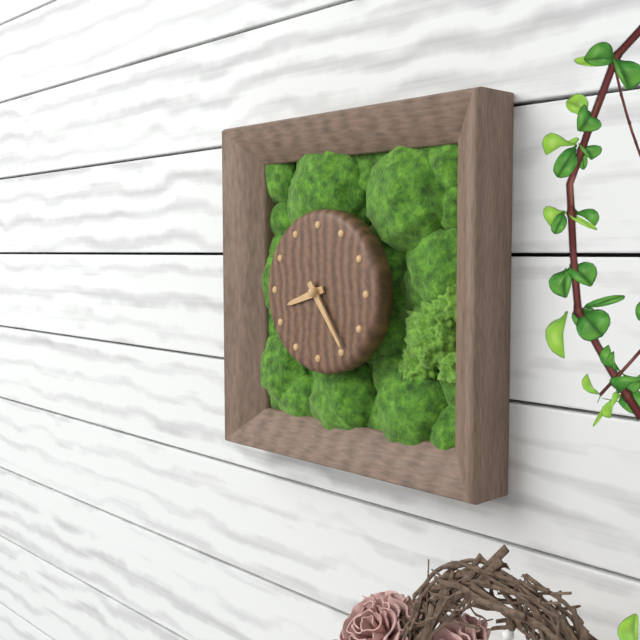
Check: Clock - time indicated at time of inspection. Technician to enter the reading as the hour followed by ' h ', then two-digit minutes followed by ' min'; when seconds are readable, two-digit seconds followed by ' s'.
8 h 24 min
